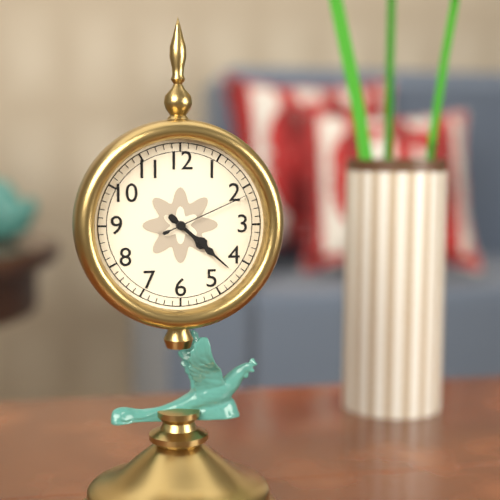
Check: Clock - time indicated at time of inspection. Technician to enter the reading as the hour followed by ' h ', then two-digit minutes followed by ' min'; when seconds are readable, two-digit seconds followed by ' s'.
4 h 22 min 11 s
